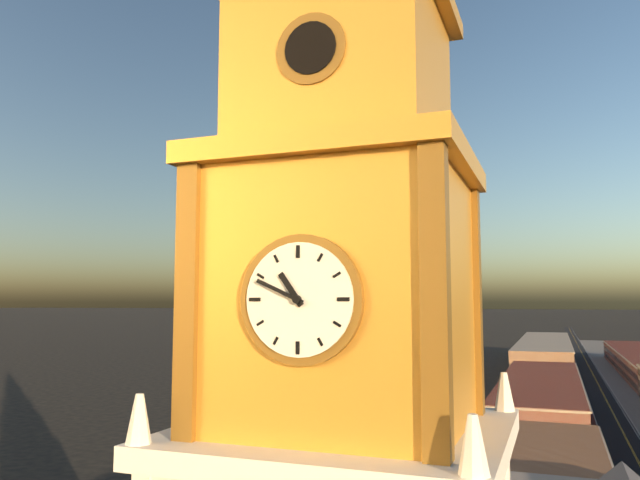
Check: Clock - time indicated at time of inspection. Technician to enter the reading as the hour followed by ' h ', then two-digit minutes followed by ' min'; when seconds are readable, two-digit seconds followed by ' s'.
10 h 49 min
